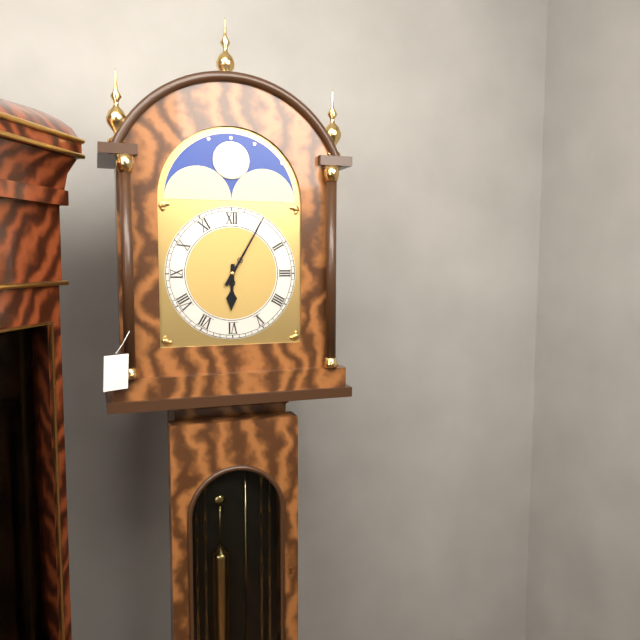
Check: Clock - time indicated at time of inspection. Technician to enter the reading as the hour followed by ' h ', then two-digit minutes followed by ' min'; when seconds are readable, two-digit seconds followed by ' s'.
6 h 05 min
